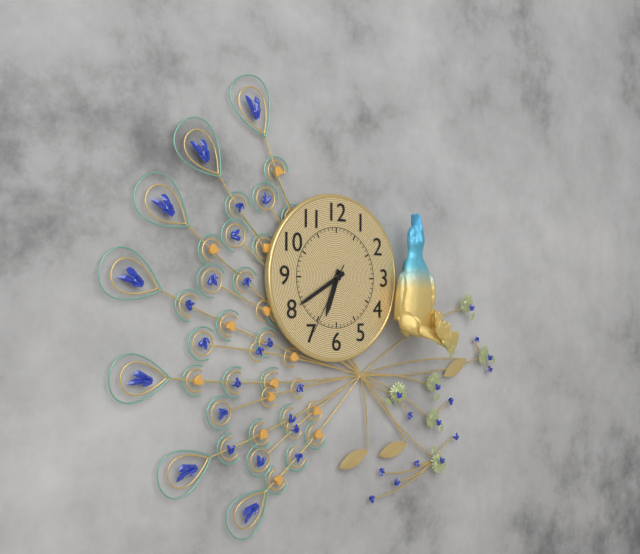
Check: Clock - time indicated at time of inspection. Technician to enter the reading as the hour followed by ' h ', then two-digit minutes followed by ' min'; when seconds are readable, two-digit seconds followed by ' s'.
6 h 40 min 35 s
